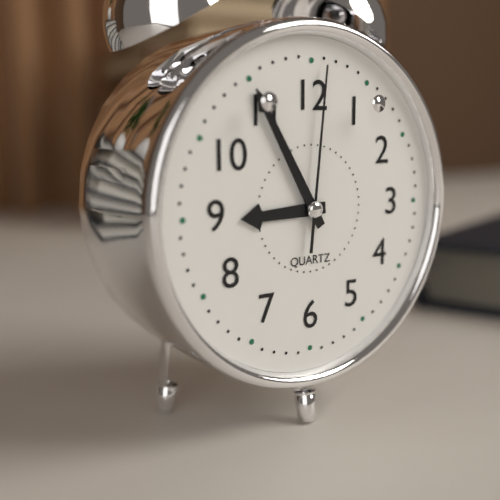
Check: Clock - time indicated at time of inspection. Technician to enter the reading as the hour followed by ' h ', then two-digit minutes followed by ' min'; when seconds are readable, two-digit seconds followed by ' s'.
8 h 55 min 01 s
